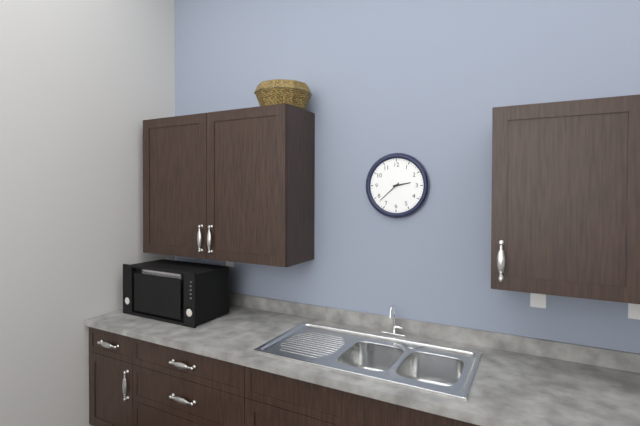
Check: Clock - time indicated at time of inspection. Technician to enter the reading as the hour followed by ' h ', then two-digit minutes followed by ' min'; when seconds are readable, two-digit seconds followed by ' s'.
2 h 38 min
